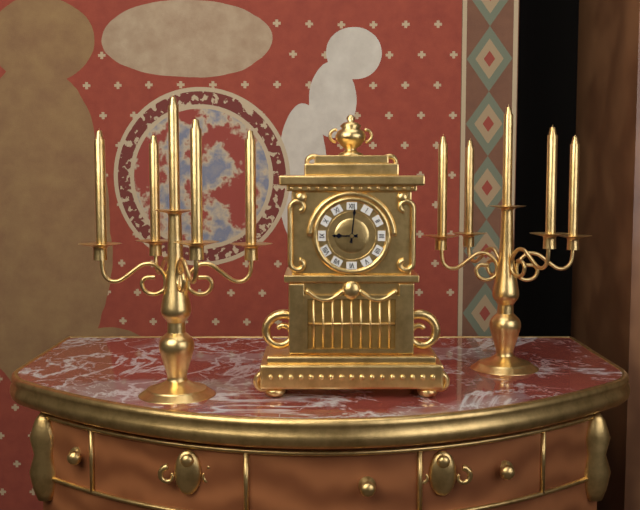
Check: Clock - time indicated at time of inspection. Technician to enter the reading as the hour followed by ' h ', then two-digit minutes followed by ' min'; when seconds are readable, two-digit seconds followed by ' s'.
9 h 01 min
